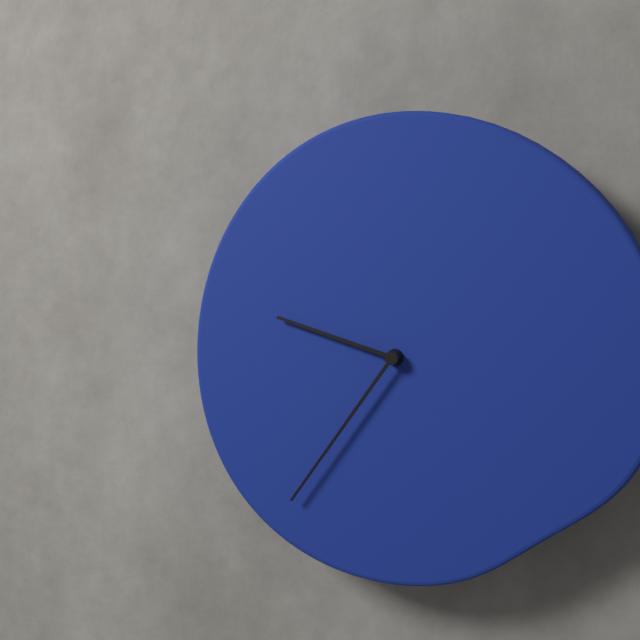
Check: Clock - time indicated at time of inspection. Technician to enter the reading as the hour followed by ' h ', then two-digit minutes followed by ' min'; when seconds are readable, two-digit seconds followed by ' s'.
9 h 36 min
